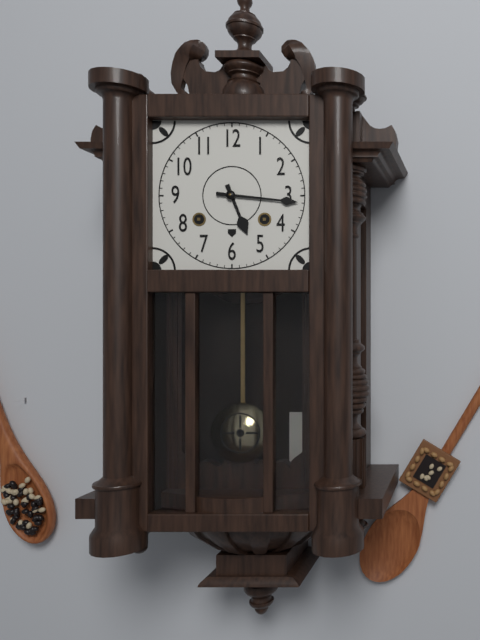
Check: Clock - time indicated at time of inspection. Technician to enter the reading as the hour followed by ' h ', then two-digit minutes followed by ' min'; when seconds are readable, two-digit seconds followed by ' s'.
5 h 16 min
